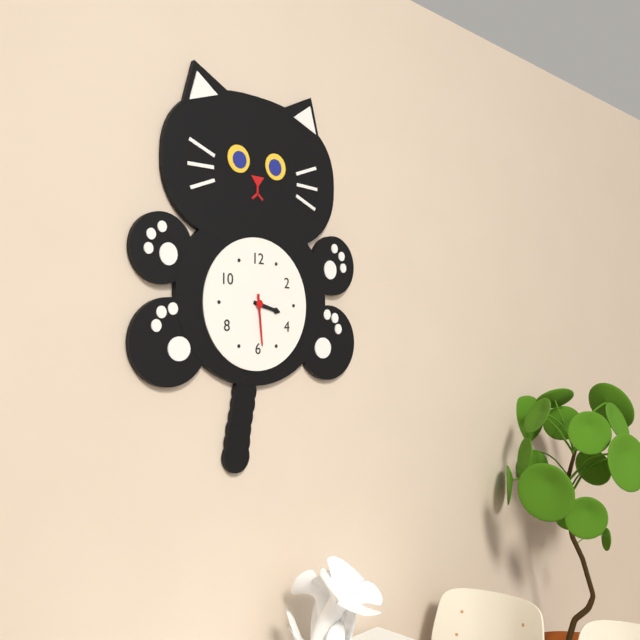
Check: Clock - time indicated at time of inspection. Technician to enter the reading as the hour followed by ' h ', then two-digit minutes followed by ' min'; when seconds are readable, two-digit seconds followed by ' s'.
3 h 29 min
